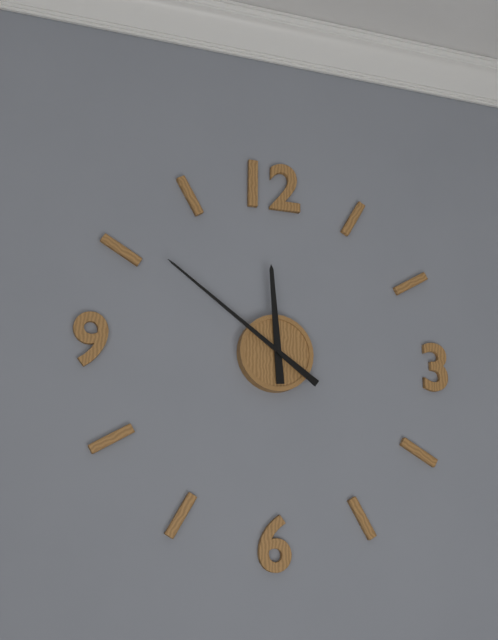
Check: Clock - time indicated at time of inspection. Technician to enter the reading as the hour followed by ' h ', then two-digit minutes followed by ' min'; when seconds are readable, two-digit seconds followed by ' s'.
11 h 51 min
